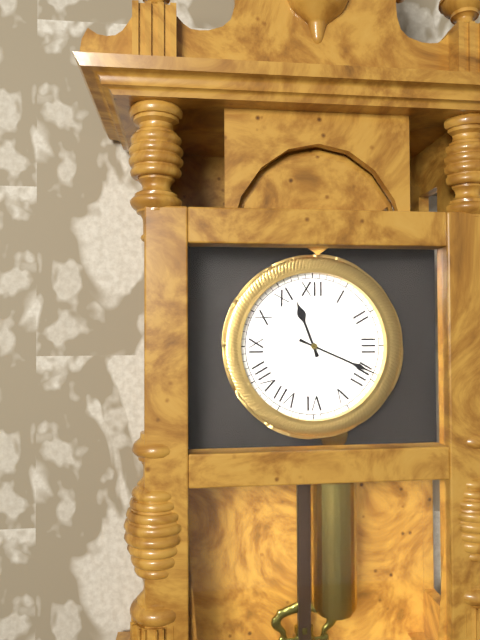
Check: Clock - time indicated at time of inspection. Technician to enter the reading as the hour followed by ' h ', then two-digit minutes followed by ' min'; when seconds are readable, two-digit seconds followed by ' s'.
11 h 19 min
